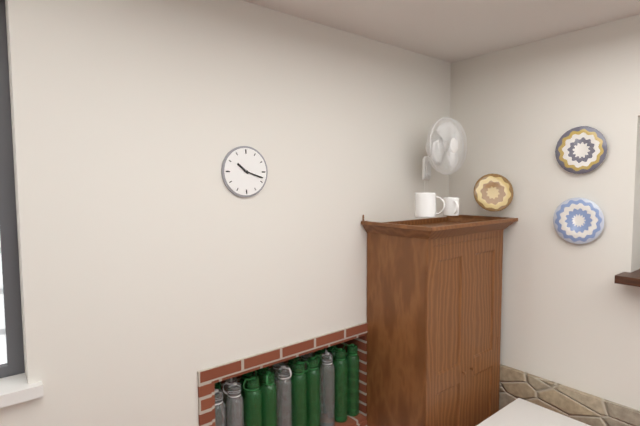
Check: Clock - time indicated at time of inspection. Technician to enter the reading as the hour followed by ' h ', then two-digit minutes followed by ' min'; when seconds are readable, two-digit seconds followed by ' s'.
10 h 18 min
